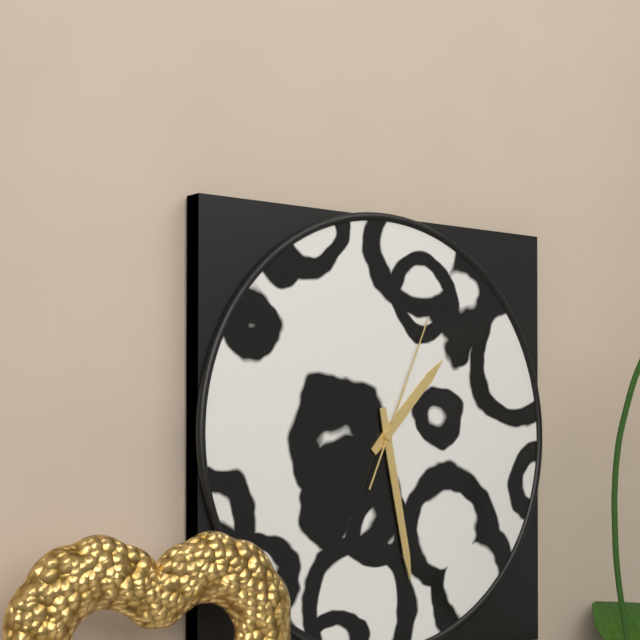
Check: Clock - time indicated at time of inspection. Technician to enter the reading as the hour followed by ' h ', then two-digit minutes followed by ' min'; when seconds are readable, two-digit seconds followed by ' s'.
1 h 28 min 04 s
